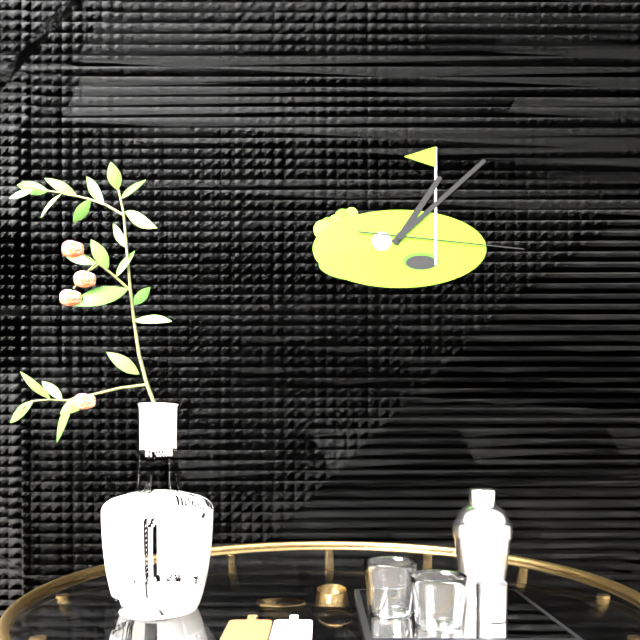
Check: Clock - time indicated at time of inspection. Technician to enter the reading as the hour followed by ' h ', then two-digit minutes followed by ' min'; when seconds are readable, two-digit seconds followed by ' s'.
1 h 08 min 16 s
